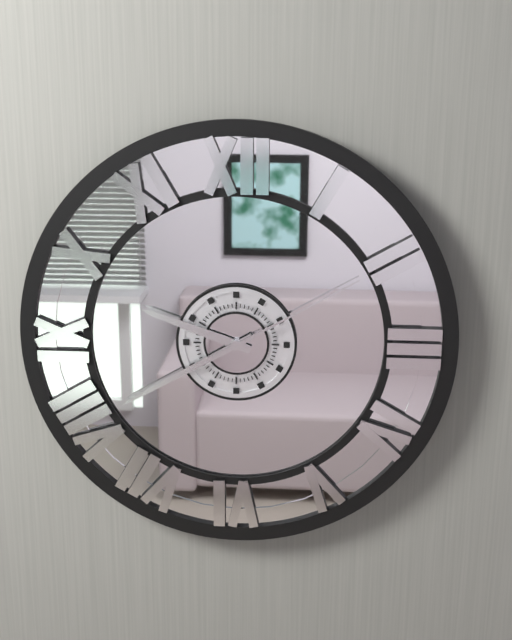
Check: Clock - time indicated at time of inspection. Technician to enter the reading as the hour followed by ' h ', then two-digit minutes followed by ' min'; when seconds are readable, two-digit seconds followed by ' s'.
9 h 40 min 10 s
